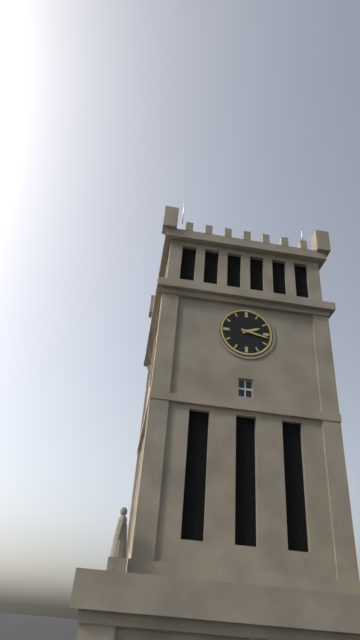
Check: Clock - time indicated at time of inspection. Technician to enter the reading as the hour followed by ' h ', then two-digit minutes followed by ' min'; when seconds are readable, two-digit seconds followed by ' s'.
2 h 17 min
